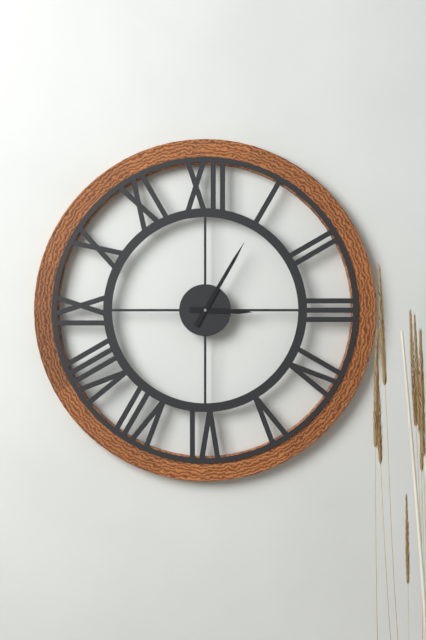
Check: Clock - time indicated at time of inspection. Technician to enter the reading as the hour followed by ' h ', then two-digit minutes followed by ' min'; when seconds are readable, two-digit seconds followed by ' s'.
3 h 05 min
